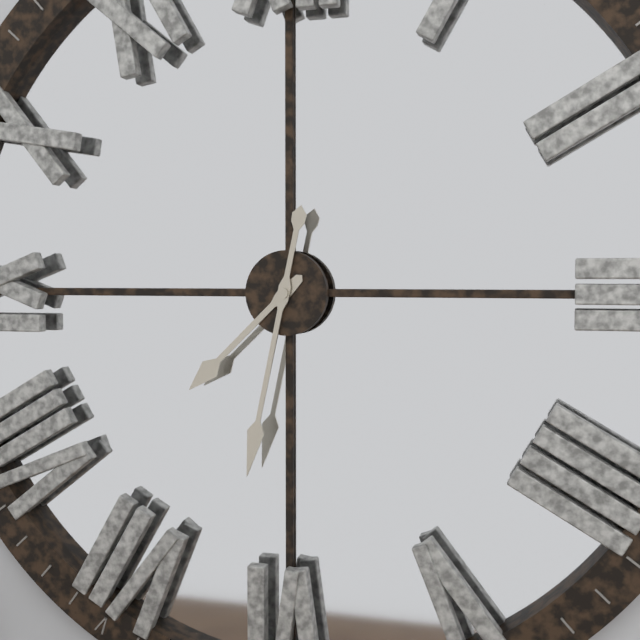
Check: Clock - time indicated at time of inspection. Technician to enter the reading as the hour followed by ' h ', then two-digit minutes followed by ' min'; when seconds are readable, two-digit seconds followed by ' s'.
7 h 32 min
